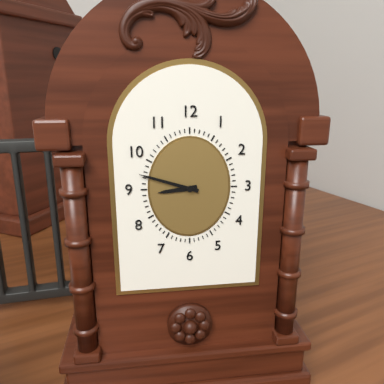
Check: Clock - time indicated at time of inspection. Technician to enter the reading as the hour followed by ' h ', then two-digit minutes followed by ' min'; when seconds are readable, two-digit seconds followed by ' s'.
8 h 48 min
